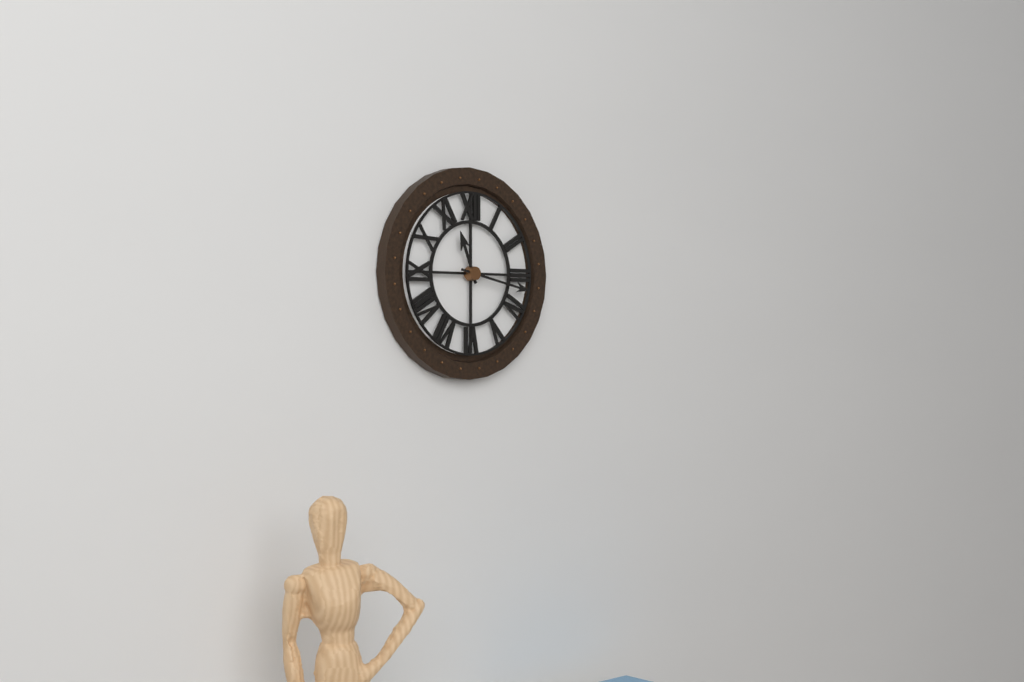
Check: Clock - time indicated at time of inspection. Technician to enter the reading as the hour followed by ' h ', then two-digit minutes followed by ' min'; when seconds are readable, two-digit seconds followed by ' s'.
11 h 17 min
